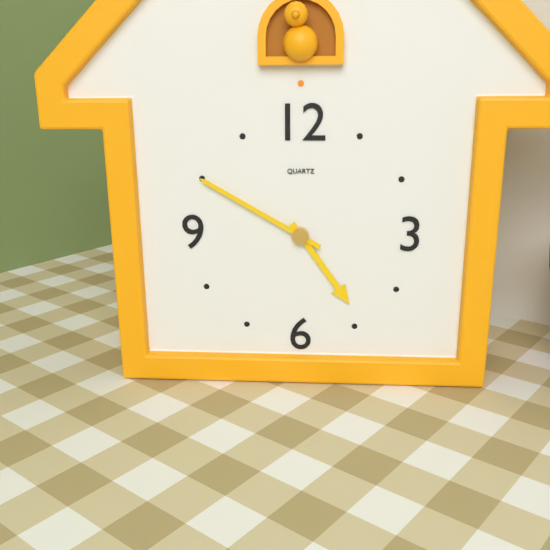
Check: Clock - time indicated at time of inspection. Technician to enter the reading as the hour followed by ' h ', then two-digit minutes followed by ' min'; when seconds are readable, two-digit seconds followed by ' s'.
4 h 50 min
